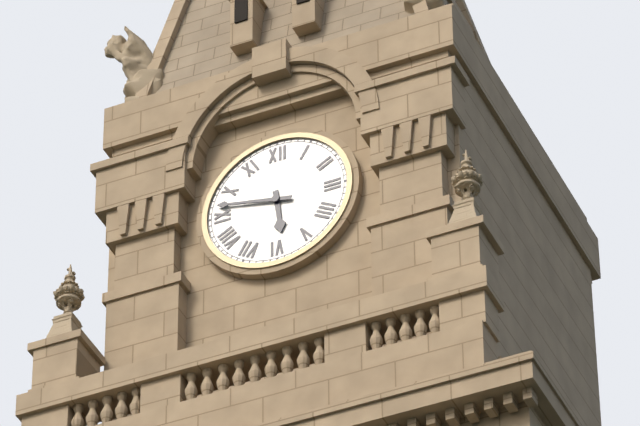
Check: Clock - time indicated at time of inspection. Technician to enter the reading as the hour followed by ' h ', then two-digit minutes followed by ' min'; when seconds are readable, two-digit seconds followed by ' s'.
5 h 47 min
